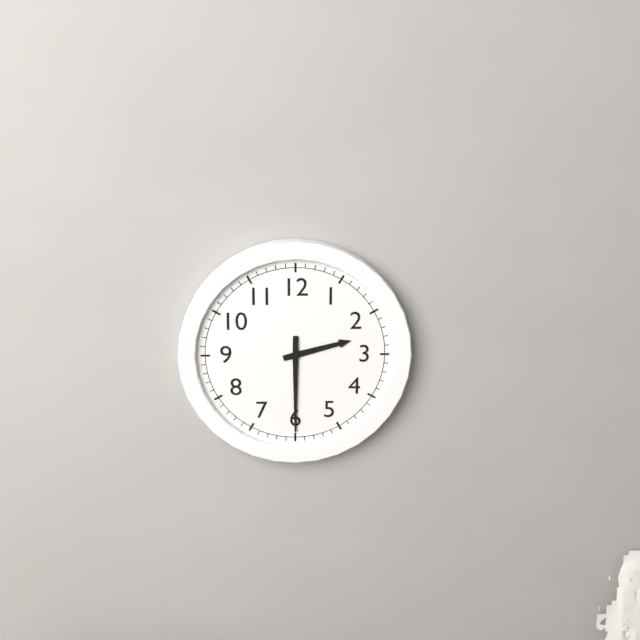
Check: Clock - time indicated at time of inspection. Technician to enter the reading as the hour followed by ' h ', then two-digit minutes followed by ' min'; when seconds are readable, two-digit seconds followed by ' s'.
2 h 30 min
